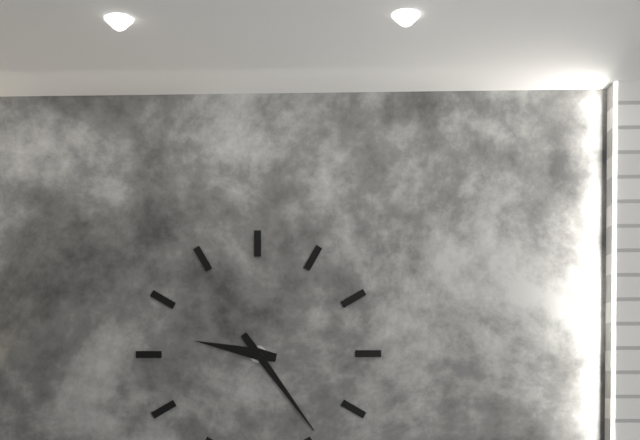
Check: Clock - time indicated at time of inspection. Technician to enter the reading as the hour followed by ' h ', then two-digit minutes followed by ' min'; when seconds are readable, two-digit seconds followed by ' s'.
9 h 24 min
